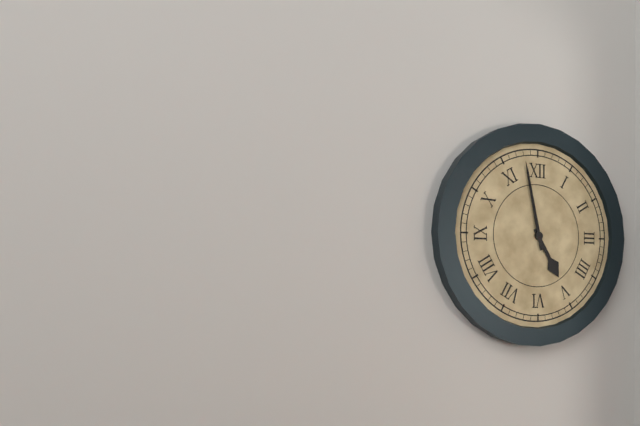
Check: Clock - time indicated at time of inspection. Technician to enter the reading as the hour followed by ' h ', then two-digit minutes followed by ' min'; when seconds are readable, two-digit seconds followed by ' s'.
4 h 58 min
